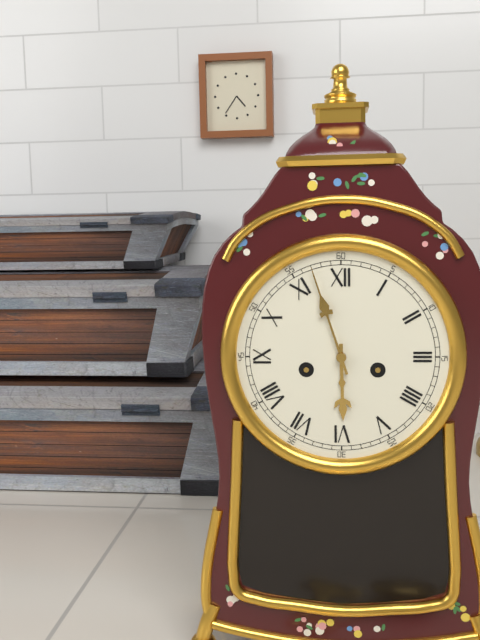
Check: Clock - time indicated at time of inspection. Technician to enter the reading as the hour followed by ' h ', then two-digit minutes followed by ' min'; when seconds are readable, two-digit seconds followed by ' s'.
5 h 57 min
